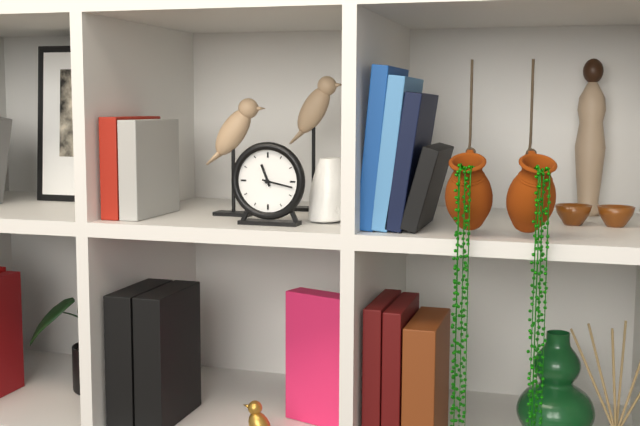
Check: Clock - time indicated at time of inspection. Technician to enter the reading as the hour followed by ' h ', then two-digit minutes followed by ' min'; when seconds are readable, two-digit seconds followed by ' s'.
11 h 17 min
